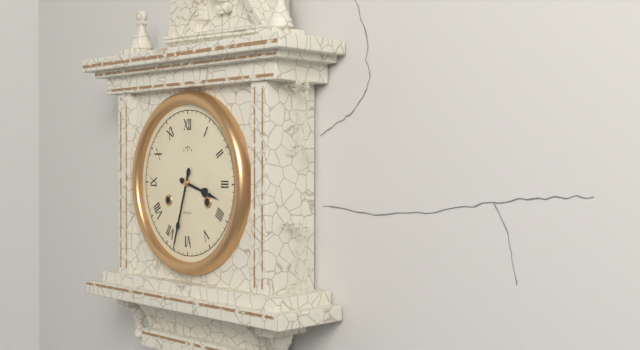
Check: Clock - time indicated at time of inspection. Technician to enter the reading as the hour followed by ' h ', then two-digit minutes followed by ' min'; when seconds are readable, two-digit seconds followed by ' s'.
3 h 33 min
